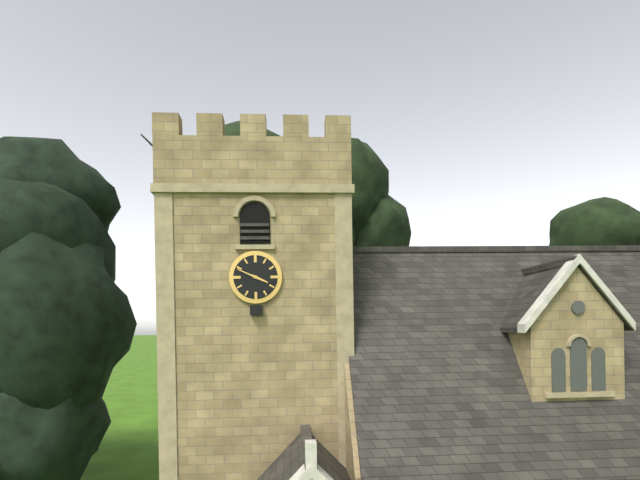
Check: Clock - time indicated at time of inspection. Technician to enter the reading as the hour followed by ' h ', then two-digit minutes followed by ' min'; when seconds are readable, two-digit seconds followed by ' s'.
3 h 49 min
